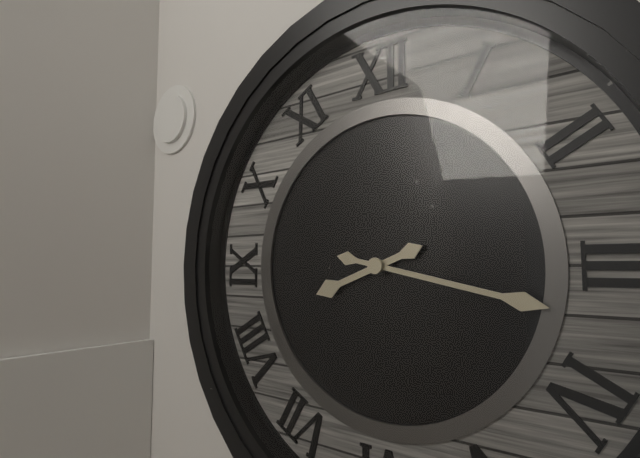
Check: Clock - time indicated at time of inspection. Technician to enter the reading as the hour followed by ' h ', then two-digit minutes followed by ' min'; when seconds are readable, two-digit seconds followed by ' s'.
8 h 17 min
